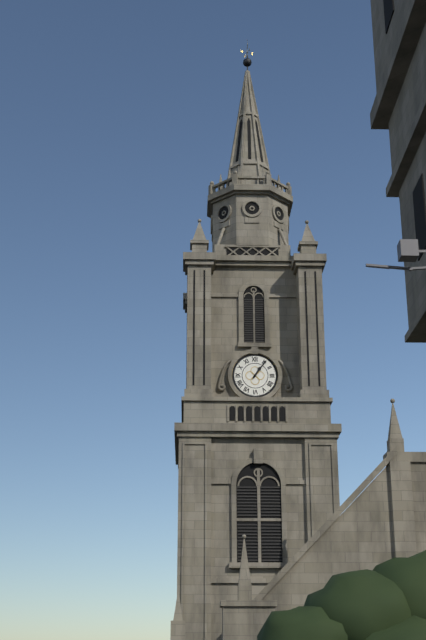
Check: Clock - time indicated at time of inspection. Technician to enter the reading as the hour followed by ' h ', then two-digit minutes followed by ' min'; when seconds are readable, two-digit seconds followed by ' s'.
1 h 06 min
